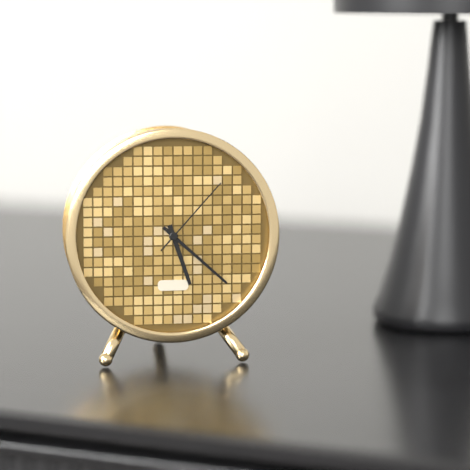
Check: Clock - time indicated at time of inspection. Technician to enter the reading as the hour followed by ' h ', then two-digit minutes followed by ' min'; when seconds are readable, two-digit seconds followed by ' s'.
5 h 22 min 07 s
